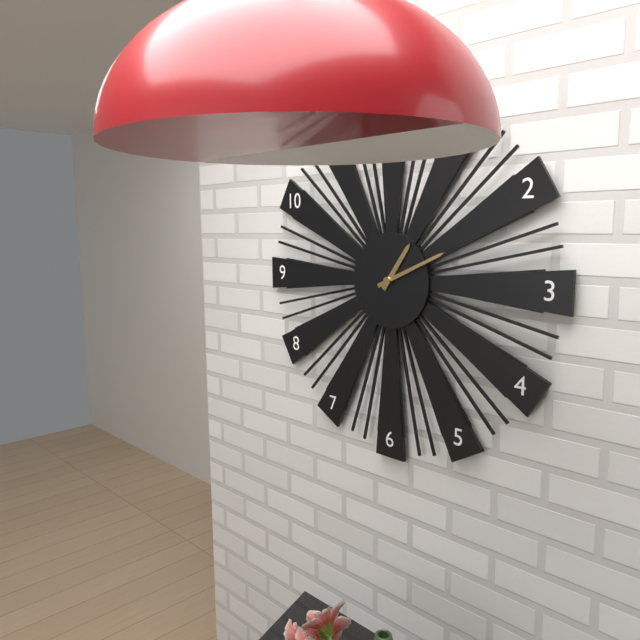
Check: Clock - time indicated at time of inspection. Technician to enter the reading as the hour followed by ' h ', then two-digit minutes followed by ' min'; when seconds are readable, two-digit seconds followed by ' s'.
1 h 11 min
